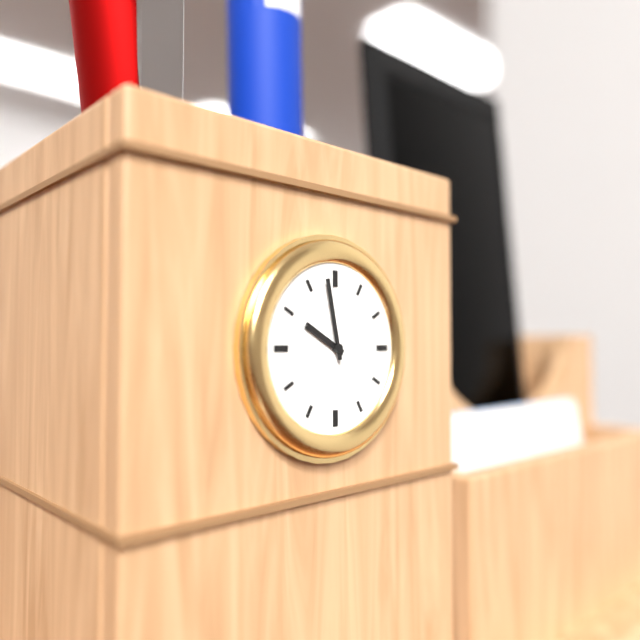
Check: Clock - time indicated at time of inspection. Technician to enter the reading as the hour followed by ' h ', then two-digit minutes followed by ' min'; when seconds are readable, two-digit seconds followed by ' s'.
9 h 58 min
